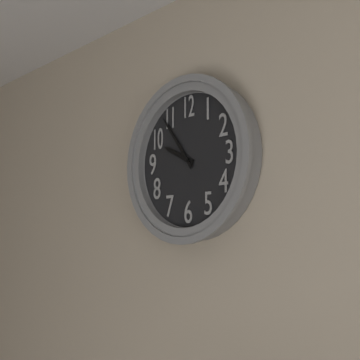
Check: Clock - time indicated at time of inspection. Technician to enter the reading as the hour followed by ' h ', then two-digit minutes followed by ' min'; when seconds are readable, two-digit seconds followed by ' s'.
9 h 54 min
